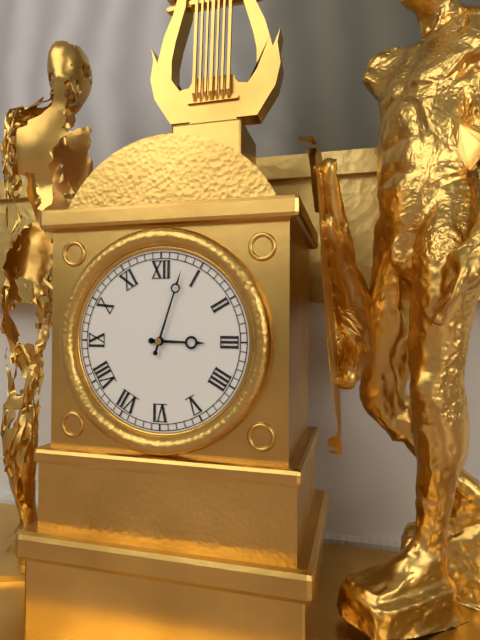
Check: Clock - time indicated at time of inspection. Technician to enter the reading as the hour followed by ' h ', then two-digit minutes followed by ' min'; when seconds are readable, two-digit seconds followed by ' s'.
3 h 03 min
